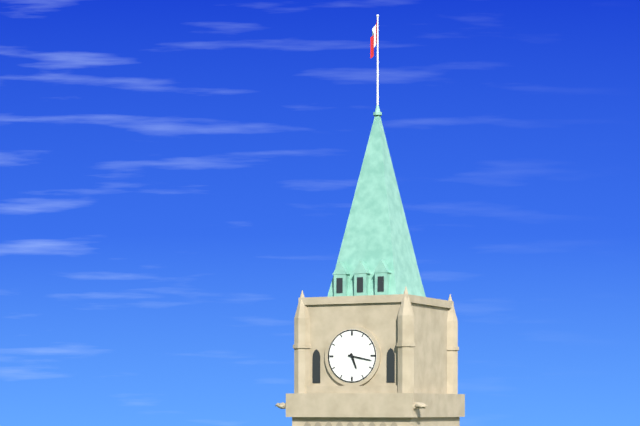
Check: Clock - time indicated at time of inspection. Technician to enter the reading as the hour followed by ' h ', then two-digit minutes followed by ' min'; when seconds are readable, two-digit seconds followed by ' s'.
5 h 17 min
